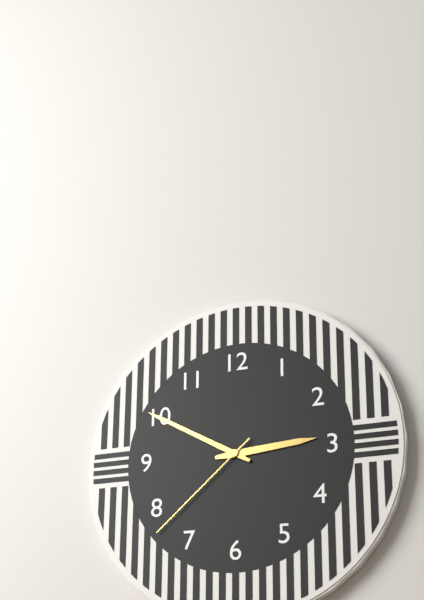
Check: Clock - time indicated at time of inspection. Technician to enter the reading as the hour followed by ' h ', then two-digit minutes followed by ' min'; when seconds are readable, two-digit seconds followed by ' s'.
2 h 50 min 38 s
